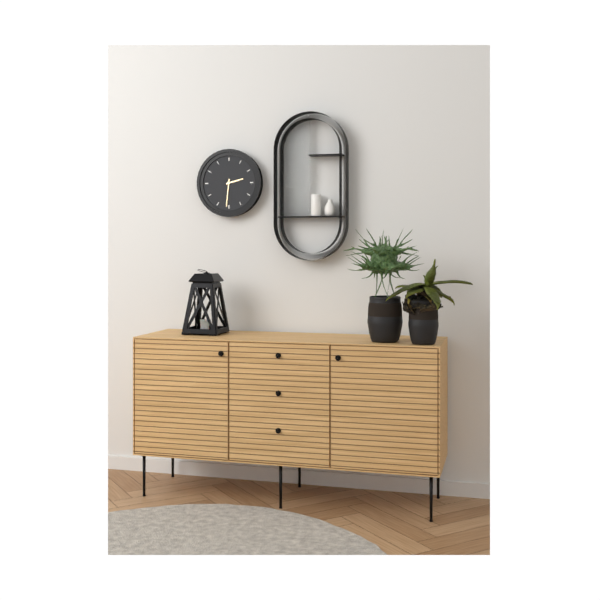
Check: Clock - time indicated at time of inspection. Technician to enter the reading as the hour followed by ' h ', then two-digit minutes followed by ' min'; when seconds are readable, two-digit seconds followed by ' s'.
2 h 31 min
